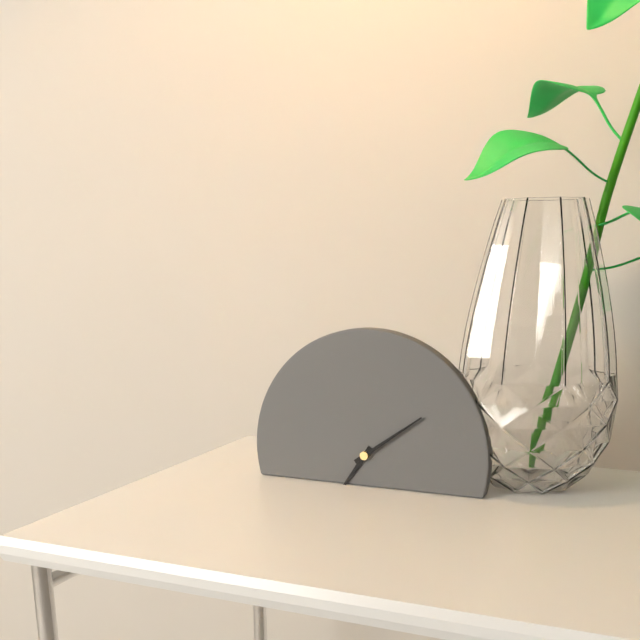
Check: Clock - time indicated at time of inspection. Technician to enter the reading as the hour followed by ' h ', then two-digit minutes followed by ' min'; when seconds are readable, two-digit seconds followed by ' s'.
7 h 09 min
